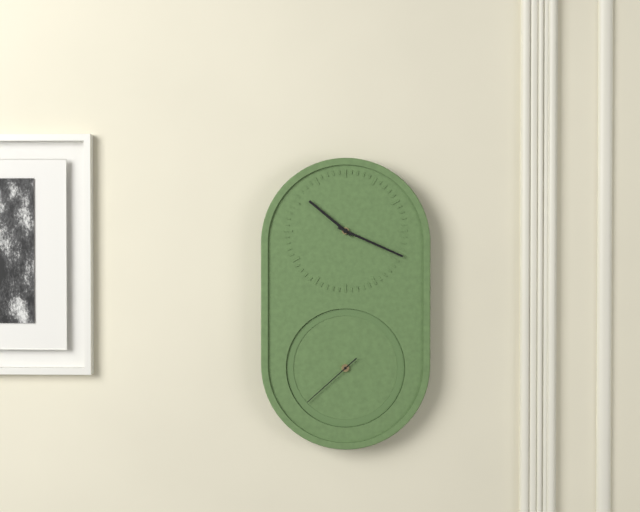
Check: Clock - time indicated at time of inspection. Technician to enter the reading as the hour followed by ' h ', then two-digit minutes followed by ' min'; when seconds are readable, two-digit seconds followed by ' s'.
10 h 19 min 38 s
